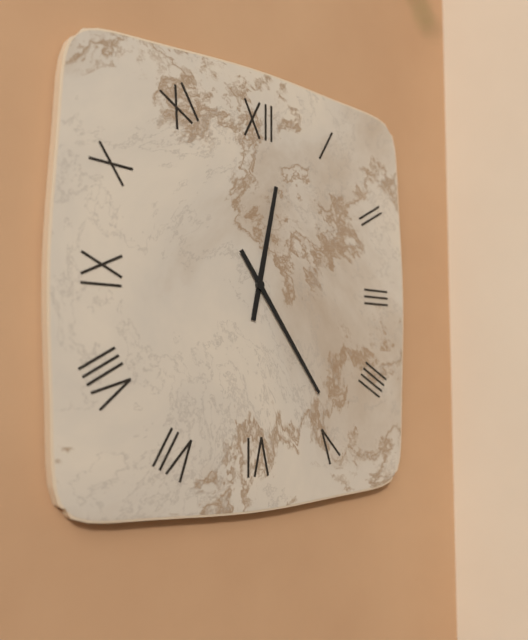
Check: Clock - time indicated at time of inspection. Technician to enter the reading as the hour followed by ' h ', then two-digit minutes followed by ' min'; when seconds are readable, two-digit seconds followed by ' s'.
12 h 24 min
